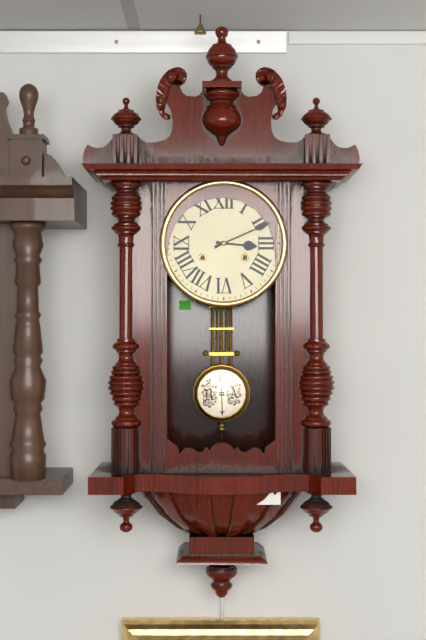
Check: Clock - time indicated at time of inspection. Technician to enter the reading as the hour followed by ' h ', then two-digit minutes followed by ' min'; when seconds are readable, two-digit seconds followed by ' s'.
3 h 11 min
